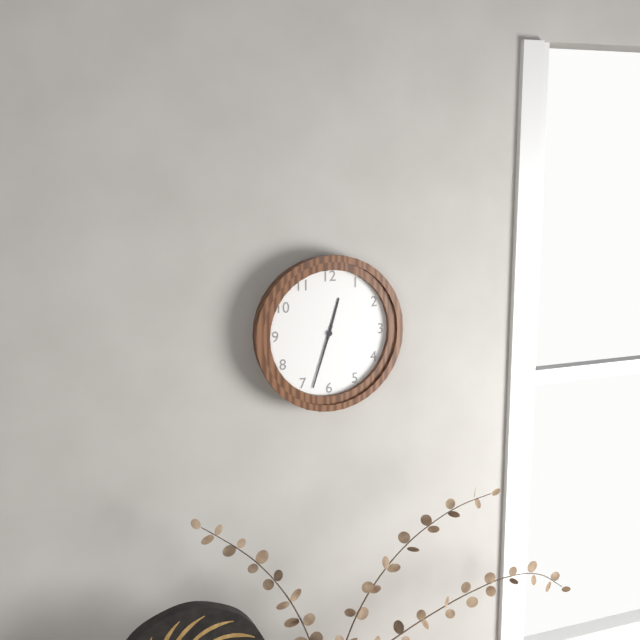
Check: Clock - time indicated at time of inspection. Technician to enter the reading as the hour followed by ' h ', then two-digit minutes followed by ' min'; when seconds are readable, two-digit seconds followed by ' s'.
12 h 33 min
